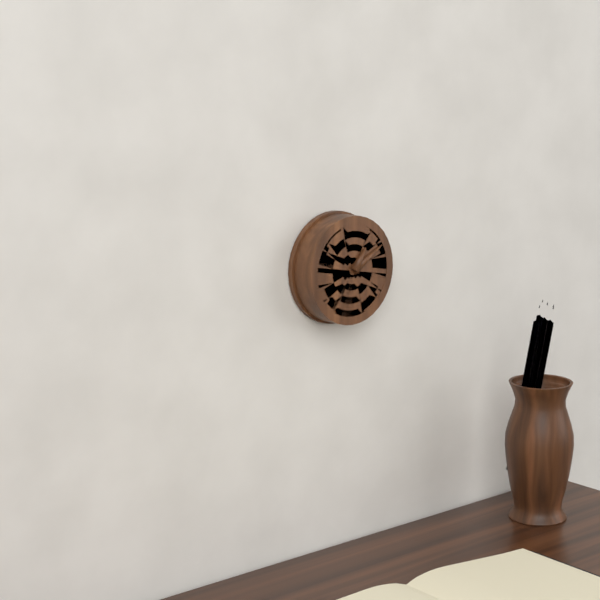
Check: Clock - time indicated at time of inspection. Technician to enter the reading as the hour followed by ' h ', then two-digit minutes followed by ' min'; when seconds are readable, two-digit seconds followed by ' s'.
1 h 10 min
